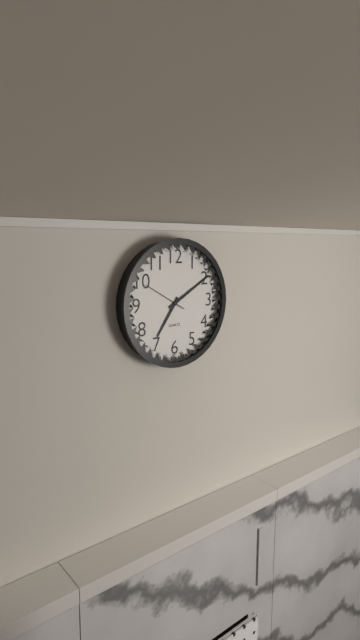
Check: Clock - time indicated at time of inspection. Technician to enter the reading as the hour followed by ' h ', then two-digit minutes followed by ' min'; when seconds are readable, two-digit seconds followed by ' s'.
7 h 10 min
